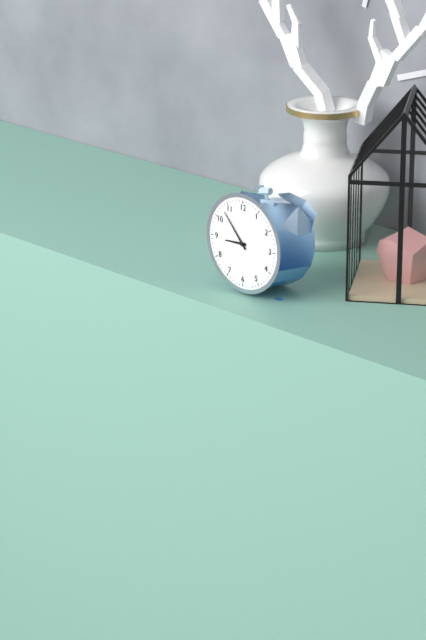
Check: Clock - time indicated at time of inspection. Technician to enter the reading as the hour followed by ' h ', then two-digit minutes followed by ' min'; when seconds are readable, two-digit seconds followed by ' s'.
8 h 53 min
